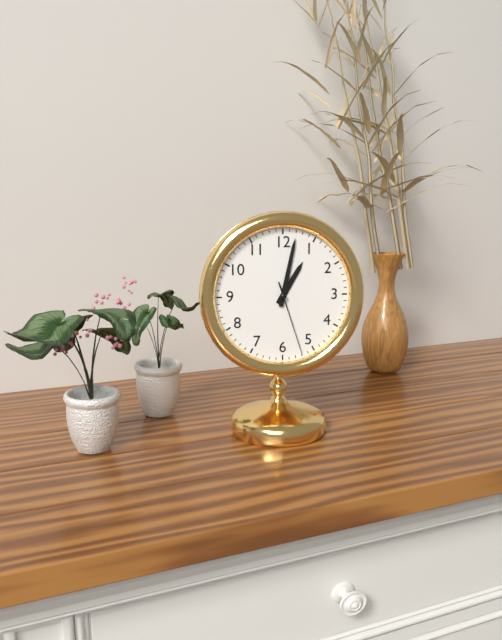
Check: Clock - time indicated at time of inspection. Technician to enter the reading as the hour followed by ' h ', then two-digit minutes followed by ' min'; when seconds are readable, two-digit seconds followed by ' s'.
1 h 02 min 27 s
